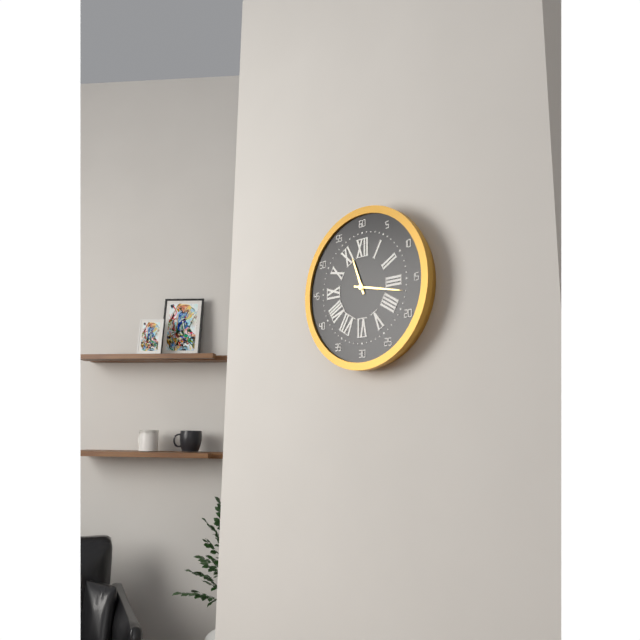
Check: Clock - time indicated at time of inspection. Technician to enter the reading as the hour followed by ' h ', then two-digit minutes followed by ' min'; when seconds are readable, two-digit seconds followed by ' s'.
11 h 17 min
